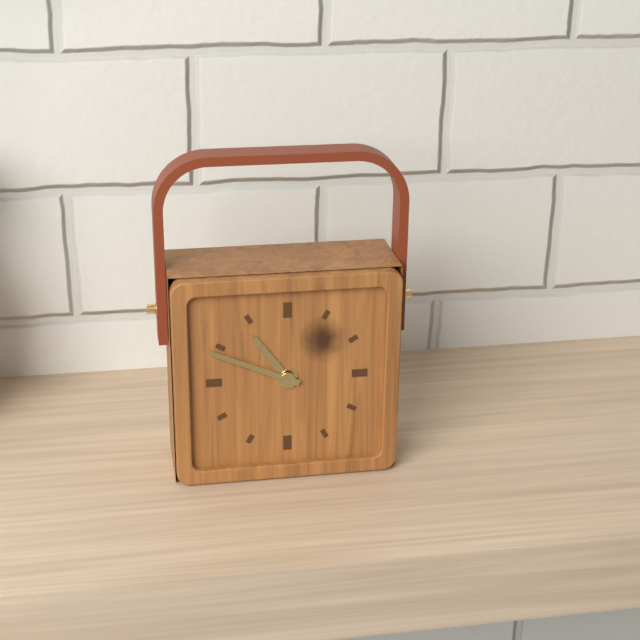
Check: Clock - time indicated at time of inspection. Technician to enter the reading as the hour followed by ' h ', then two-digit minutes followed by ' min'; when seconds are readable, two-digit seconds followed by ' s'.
10 h 49 min
